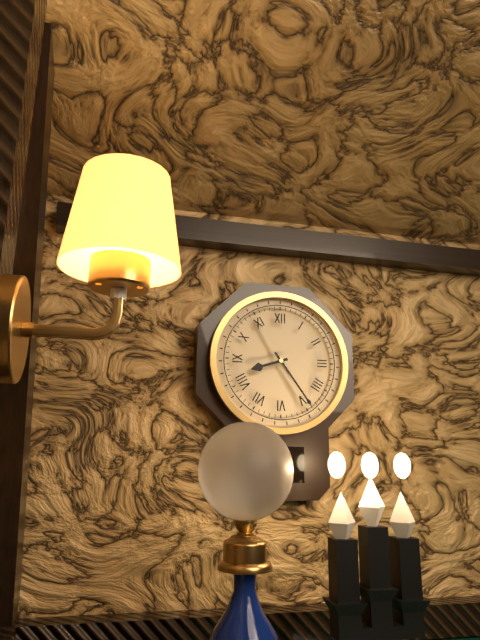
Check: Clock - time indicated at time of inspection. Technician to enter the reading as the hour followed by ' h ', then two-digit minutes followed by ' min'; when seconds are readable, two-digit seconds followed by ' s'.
8 h 24 min
